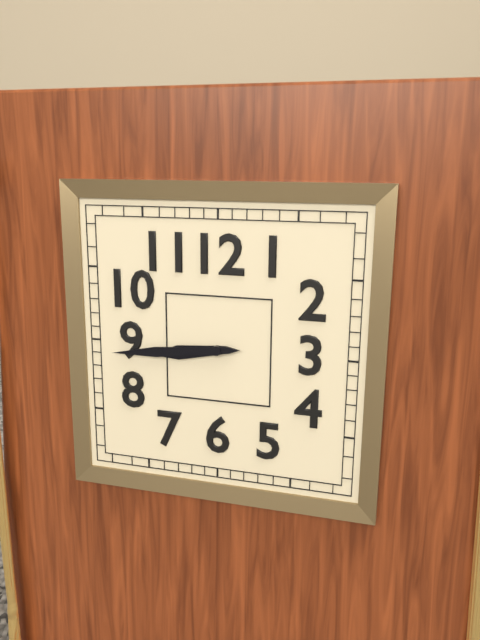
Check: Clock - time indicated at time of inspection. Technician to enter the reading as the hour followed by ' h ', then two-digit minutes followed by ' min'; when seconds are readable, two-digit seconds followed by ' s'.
8 h 44 min
